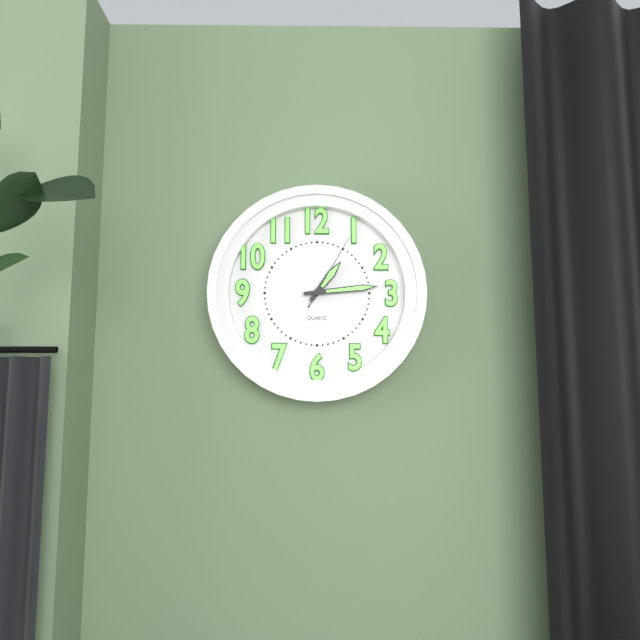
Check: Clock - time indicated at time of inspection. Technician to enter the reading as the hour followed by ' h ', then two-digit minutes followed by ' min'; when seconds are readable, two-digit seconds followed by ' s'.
1 h 14 min 05 s
